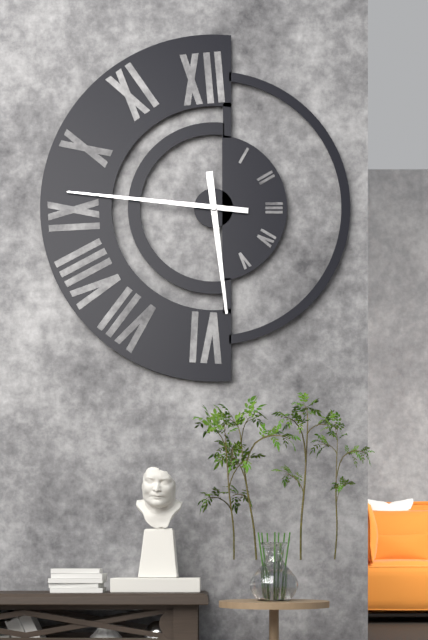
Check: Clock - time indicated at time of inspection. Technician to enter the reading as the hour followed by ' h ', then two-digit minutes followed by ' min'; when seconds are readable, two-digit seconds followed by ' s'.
5 h 46 min
